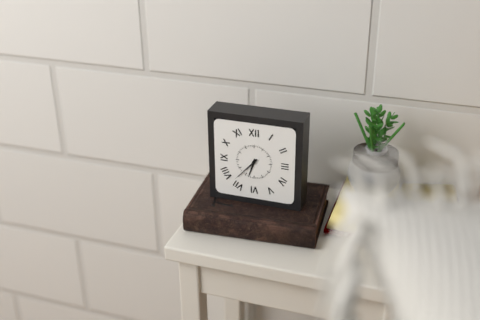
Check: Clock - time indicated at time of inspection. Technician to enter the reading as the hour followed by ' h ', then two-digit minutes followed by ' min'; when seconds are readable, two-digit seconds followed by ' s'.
6 h 37 min
